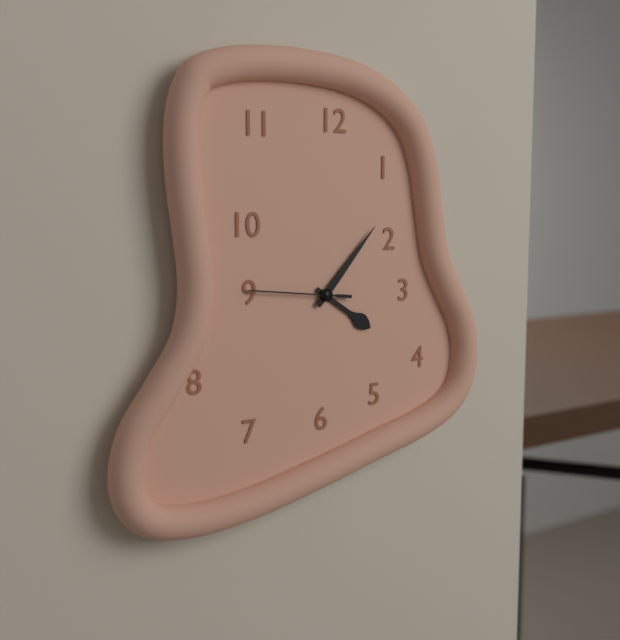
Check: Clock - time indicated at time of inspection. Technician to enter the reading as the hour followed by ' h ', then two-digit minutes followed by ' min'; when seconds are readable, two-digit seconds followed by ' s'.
4 h 07 min 46 s
